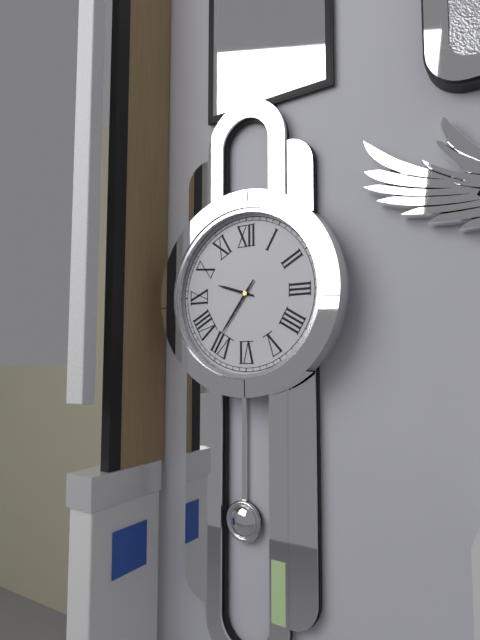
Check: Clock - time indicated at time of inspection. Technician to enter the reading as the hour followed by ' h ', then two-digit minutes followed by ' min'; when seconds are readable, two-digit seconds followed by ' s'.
9 h 36 min
